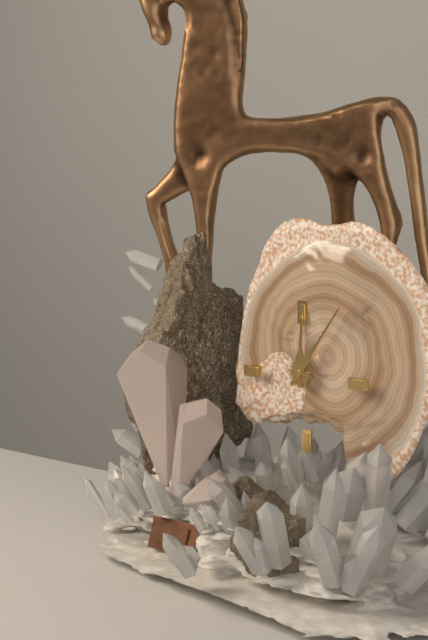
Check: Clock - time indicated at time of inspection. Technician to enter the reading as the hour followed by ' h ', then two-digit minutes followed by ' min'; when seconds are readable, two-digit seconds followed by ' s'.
12 h 06 min
